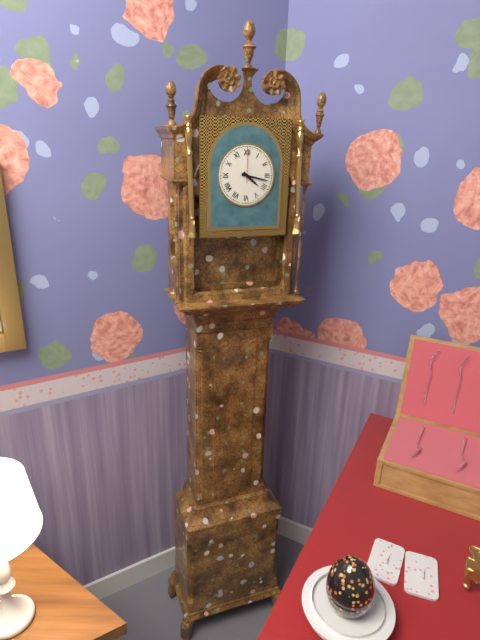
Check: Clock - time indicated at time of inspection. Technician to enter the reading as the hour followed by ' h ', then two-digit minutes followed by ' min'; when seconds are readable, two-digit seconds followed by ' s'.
4 h 17 min
